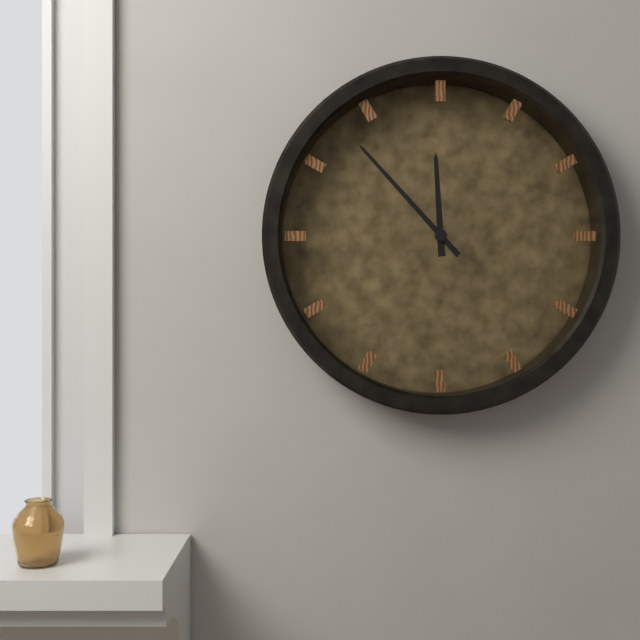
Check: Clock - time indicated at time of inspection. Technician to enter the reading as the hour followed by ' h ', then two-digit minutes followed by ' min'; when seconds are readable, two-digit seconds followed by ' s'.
11 h 53 min
